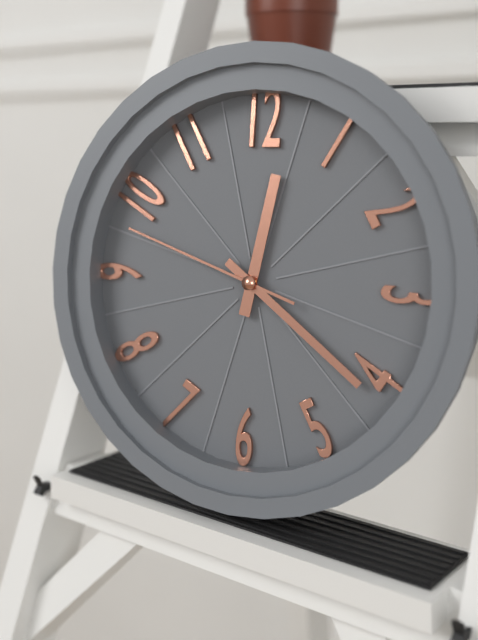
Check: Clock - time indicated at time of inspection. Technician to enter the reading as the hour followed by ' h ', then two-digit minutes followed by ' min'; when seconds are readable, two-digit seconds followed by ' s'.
12 h 21 min 48 s
